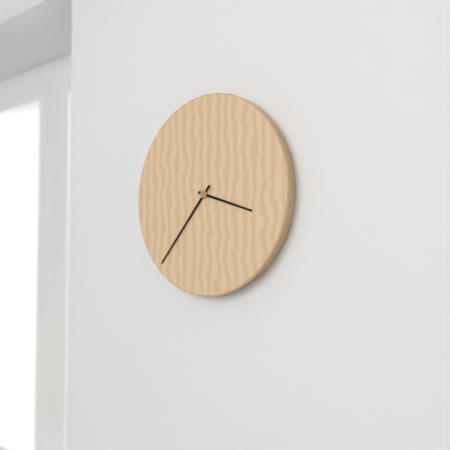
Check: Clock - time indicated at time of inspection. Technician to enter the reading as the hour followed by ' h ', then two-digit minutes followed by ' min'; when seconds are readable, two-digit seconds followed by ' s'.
3 h 37 min
